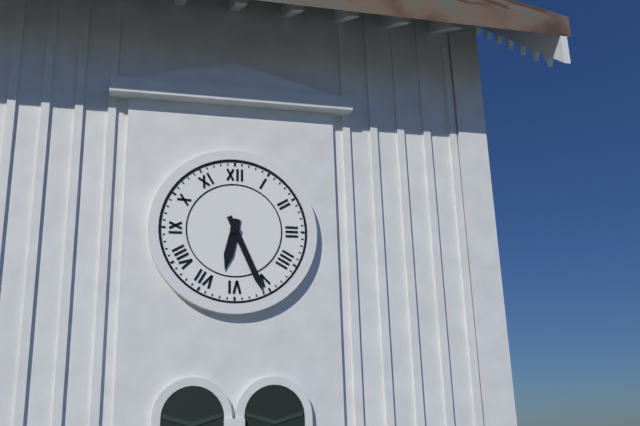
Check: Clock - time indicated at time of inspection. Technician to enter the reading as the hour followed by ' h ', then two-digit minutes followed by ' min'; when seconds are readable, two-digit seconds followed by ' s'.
6 h 26 min
